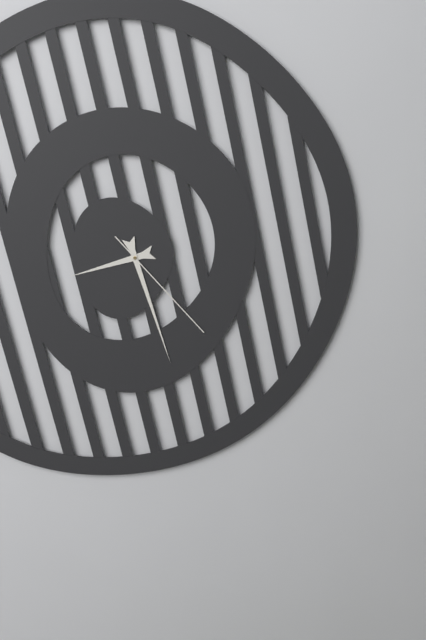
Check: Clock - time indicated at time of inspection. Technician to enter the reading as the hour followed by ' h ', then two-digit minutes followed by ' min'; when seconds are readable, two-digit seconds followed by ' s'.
8 h 27 min 23 s
